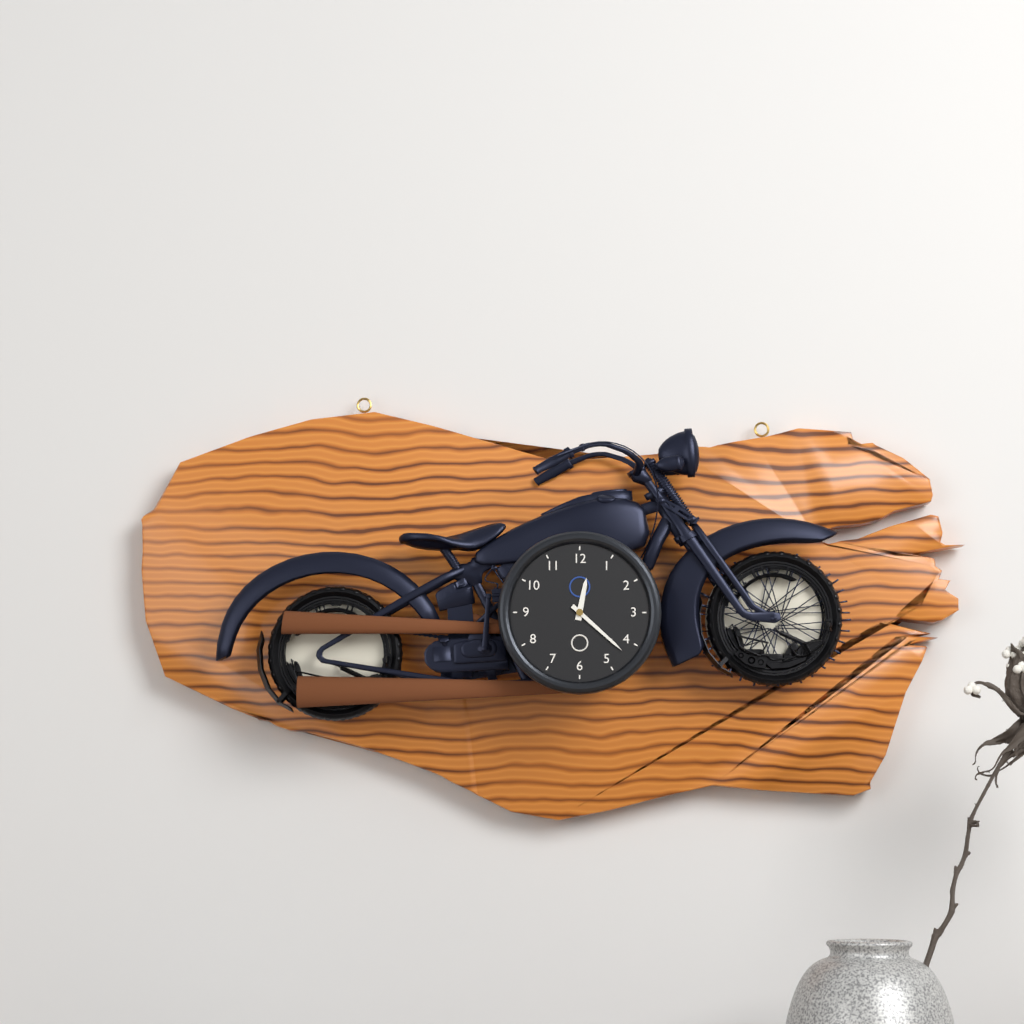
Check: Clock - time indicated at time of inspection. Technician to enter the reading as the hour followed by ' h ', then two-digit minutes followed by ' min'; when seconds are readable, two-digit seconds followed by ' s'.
12 h 22 min
